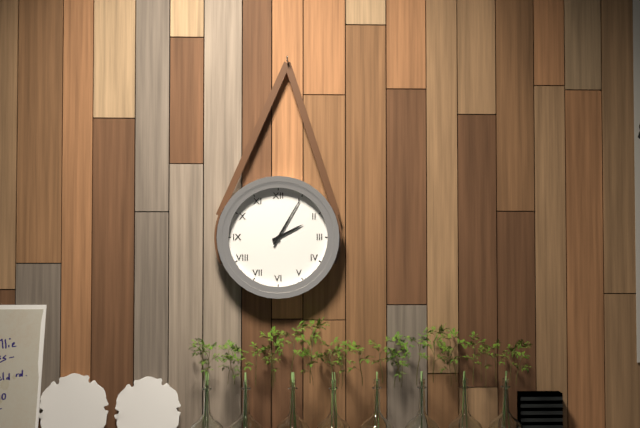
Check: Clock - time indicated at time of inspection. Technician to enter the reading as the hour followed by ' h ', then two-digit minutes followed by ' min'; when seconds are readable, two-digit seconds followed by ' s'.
2 h 05 min
